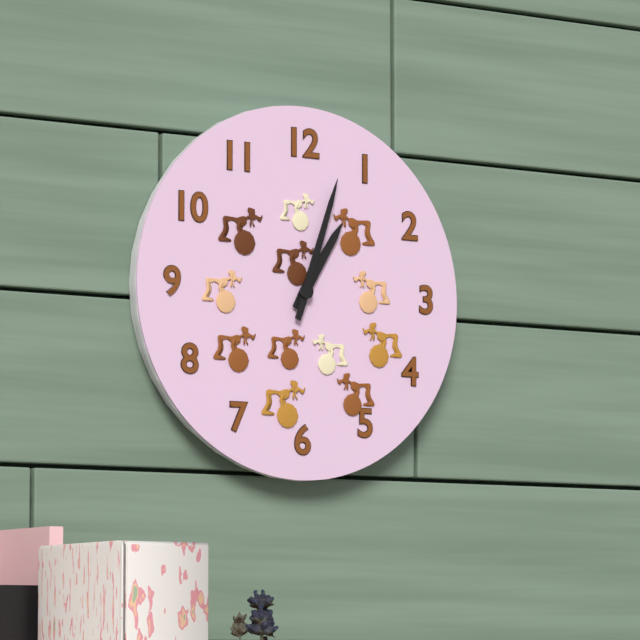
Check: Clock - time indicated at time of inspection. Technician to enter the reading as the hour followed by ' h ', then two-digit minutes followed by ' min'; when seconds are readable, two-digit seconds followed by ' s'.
1 h 03 min
